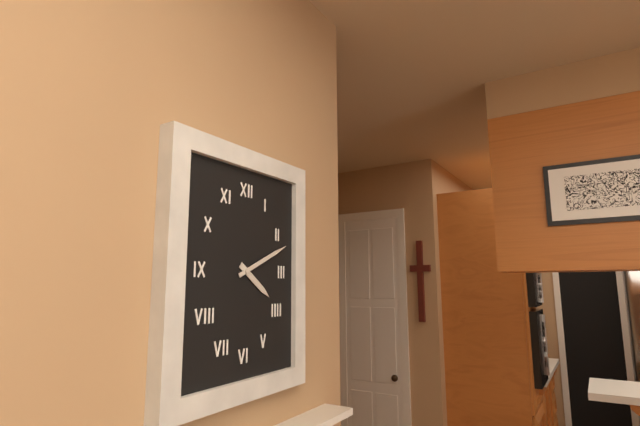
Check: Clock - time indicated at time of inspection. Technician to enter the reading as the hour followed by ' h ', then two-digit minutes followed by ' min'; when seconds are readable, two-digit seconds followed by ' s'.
4 h 11 min
